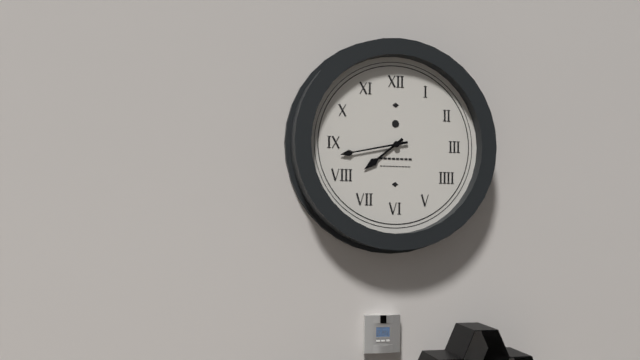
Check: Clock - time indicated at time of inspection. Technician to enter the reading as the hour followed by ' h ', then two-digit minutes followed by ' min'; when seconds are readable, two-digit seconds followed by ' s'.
7 h 43 min
